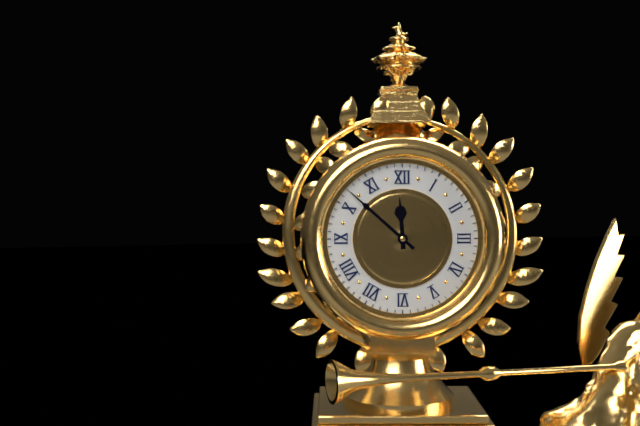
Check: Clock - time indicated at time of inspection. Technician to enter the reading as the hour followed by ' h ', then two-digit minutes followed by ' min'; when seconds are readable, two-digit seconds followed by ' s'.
11 h 52 min
